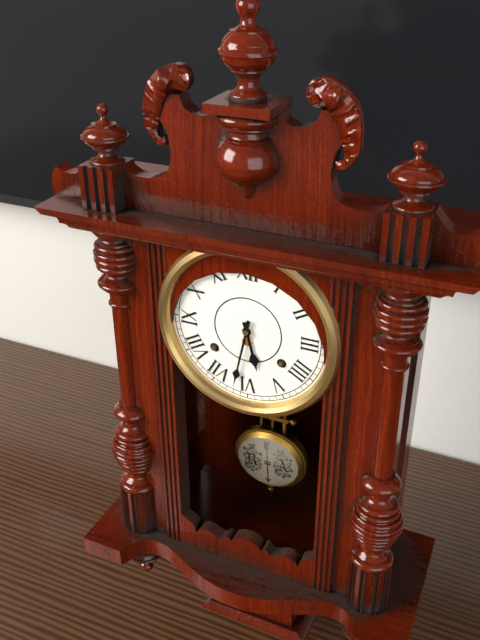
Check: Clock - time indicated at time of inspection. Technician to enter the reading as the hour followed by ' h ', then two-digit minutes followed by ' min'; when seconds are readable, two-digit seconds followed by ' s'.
5 h 32 min
